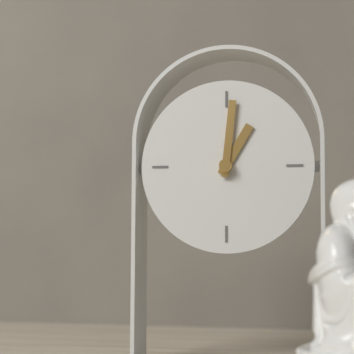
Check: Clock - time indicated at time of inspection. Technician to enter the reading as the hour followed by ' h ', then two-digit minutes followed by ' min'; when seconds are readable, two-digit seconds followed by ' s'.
1 h 01 min
